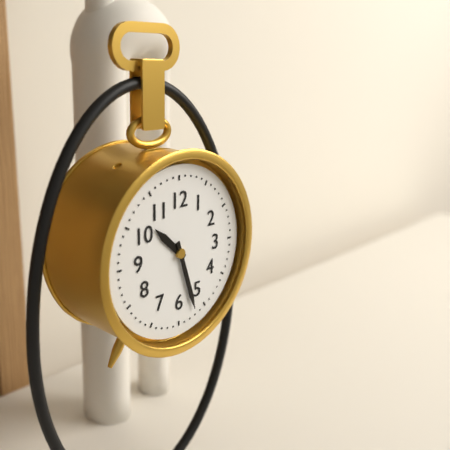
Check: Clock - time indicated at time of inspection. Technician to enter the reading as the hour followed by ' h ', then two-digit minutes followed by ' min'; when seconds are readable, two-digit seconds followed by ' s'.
10 h 27 min
